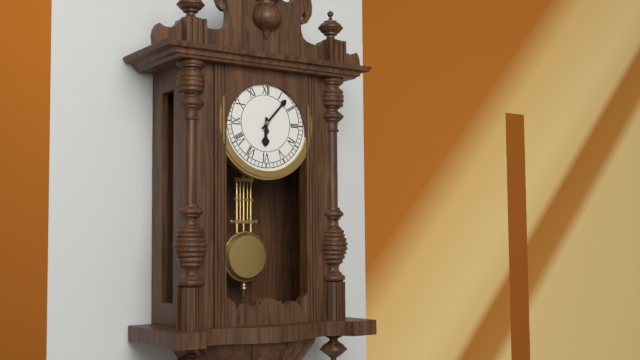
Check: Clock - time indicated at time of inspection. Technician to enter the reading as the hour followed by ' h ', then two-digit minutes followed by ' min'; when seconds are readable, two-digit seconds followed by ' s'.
6 h 07 min
